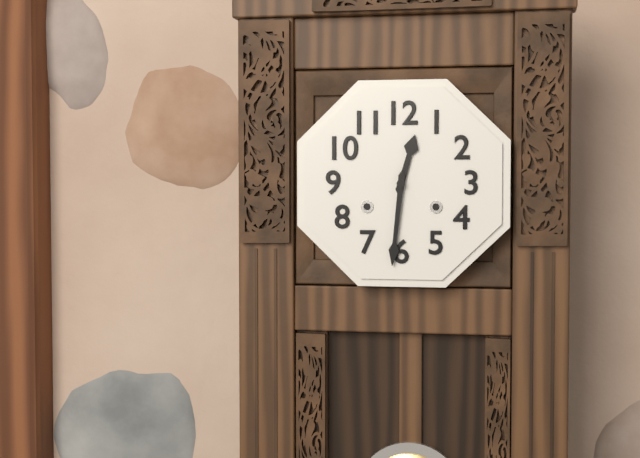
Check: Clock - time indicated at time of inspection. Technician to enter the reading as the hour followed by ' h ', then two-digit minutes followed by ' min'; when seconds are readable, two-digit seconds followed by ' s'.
12 h 31 min
